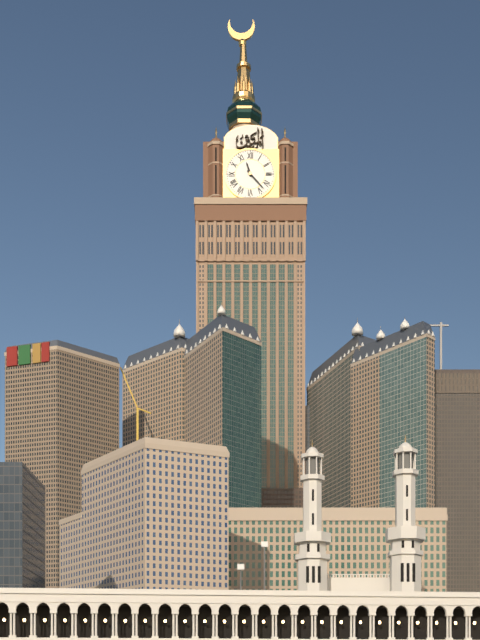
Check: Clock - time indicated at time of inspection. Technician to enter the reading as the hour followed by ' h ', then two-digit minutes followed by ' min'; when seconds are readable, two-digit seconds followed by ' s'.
11 h 23 min
